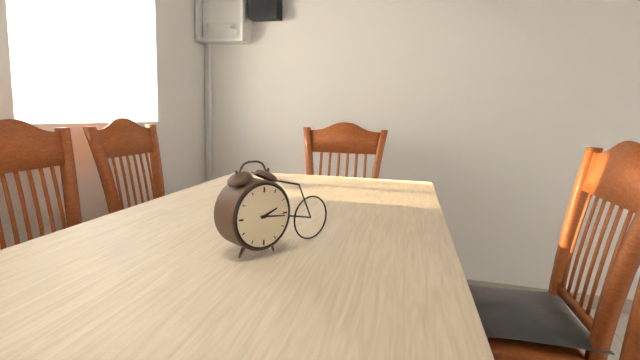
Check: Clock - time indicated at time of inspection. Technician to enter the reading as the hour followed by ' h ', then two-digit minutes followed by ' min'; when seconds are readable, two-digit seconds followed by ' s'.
2 h 16 min
